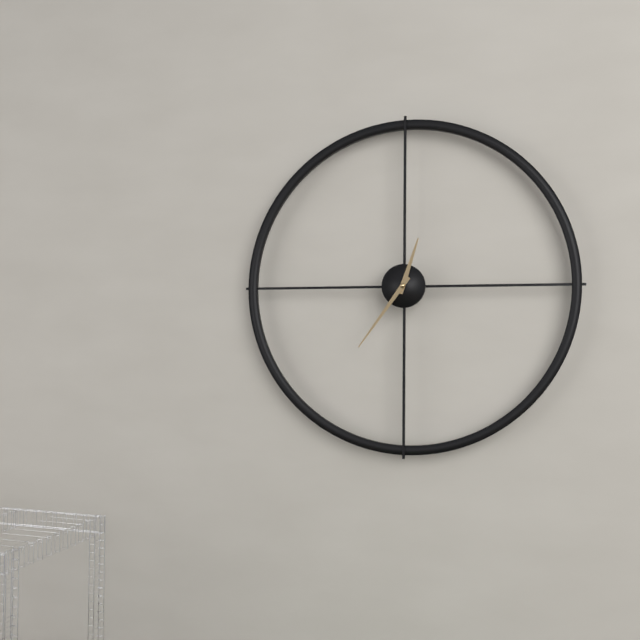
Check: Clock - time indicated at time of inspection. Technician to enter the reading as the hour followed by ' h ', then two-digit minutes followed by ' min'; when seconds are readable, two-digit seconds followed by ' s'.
12 h 36 min
